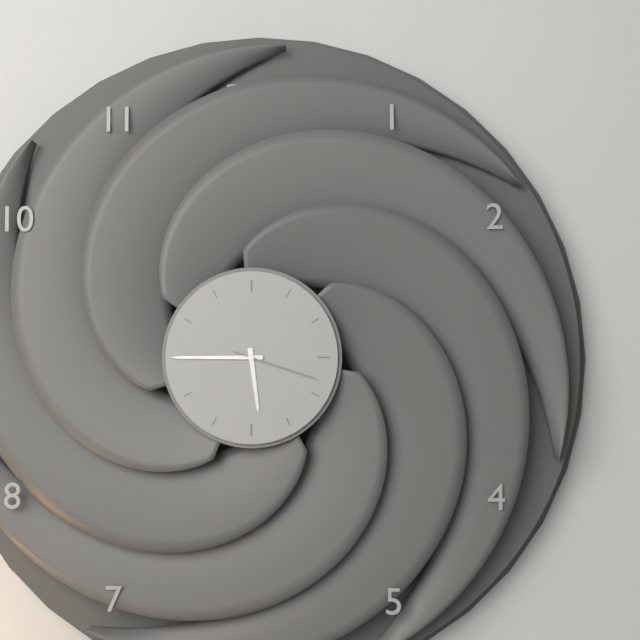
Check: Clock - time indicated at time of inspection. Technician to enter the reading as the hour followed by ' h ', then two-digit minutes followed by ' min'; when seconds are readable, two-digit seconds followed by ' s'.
5 h 45 min 18 s
